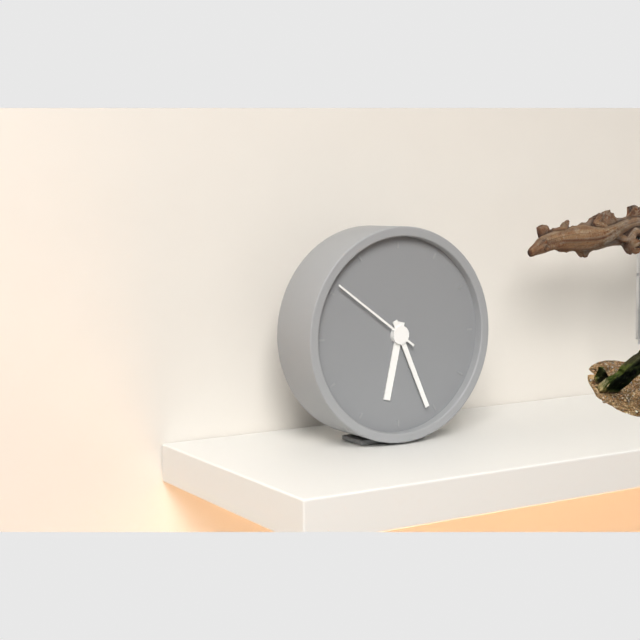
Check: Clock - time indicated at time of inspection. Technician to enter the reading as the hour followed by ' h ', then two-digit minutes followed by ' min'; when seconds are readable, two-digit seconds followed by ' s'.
6 h 26 min 51 s
